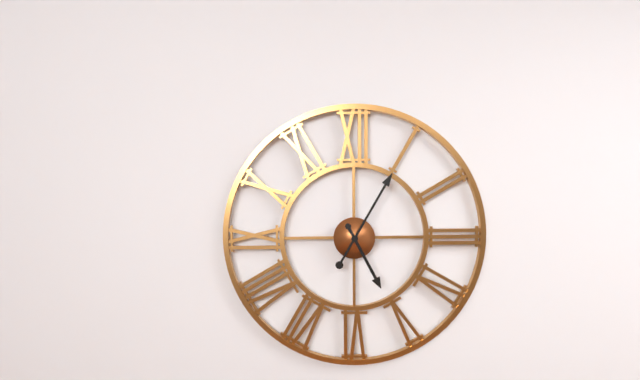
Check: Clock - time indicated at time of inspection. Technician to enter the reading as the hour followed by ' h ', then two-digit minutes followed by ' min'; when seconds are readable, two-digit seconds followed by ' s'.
5 h 05 min
